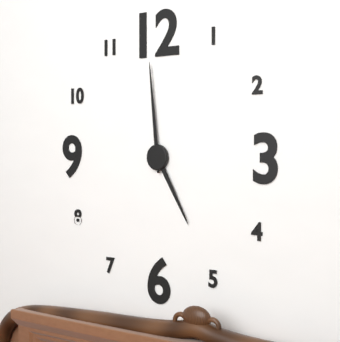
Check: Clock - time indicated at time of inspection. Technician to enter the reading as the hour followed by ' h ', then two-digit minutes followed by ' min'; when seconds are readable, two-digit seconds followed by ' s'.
4 h 59 min
